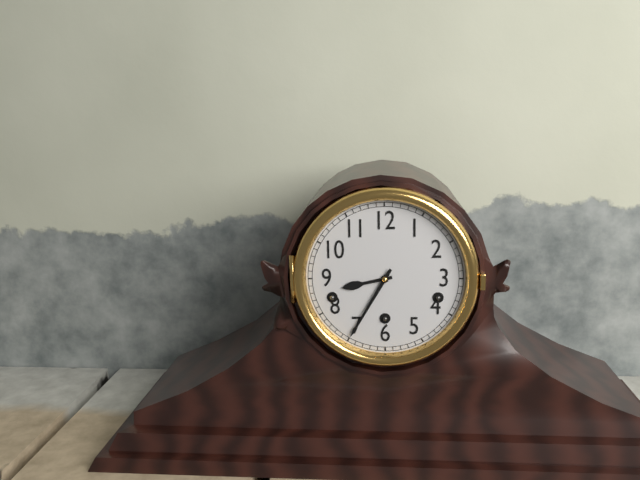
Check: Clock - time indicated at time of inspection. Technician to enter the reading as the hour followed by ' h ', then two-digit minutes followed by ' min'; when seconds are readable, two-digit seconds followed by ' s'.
8 h 35 min
